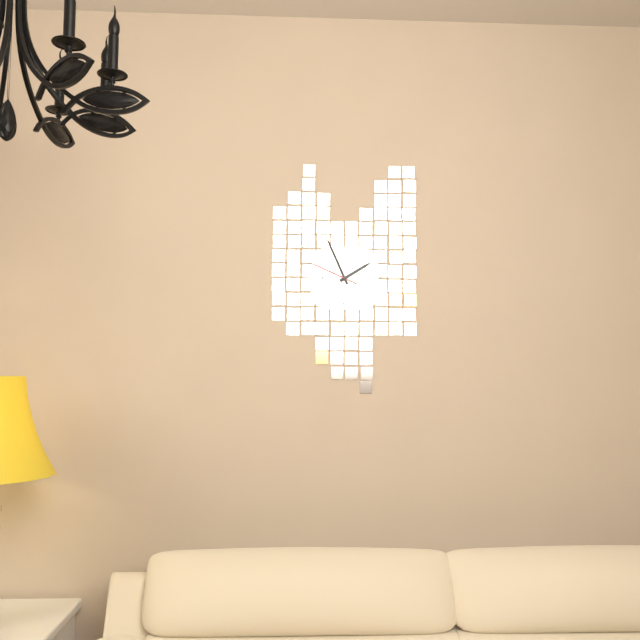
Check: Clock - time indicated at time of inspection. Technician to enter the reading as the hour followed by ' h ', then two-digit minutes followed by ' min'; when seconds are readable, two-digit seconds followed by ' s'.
1 h 56 min 49 s
